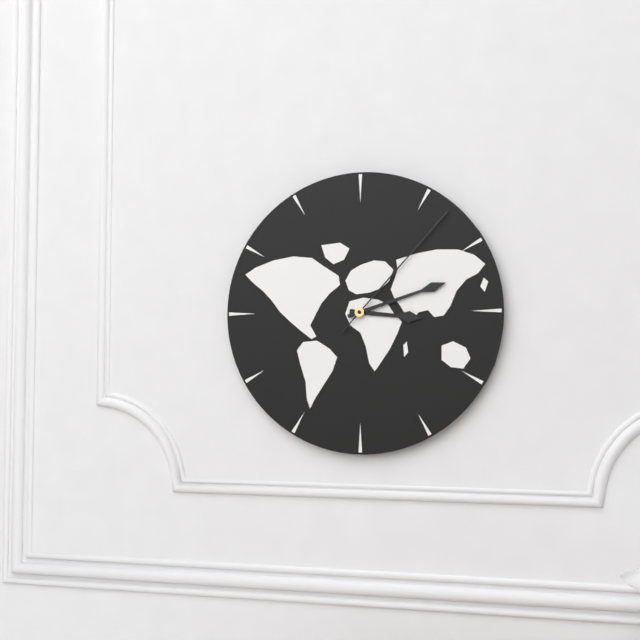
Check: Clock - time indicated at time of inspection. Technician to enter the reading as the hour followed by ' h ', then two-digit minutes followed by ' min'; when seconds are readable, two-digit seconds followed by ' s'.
3 h 12 min 07 s
